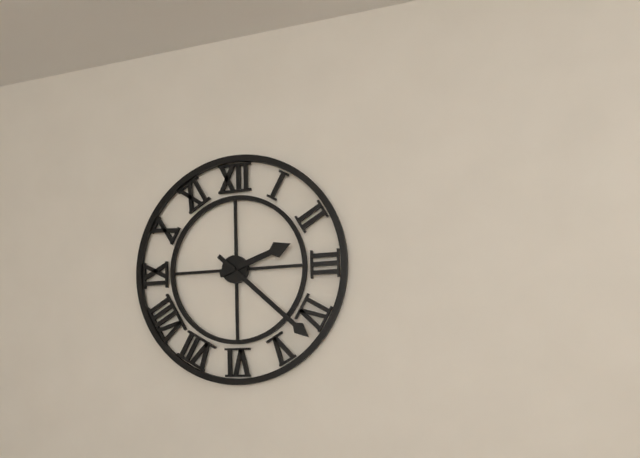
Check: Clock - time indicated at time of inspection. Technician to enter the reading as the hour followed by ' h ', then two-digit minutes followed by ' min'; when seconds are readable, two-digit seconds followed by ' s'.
2 h 22 min
